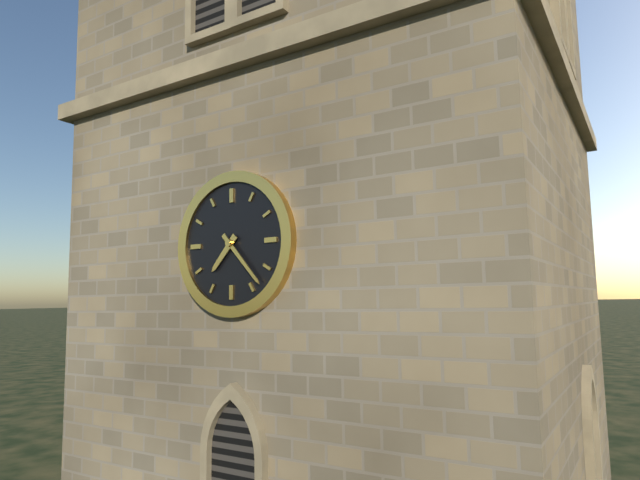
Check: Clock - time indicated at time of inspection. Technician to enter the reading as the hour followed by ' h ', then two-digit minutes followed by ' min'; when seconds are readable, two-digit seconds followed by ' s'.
7 h 23 min
